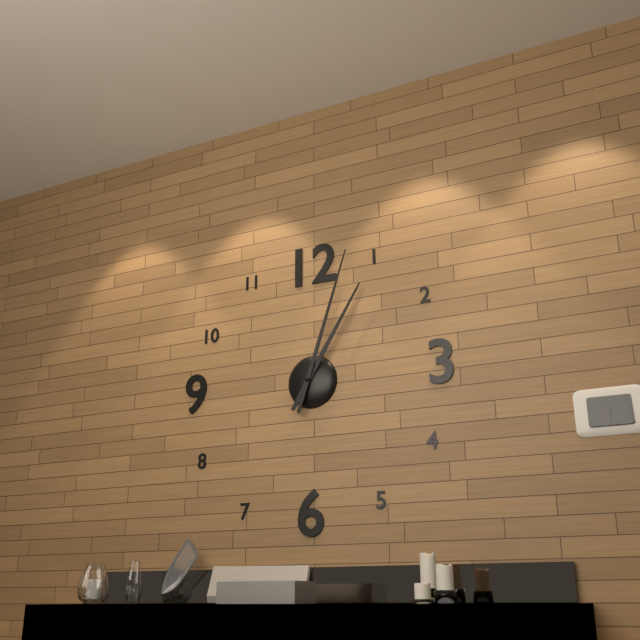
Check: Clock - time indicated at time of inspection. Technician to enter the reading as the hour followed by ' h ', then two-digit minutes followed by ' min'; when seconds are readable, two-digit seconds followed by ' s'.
1 h 03 min
